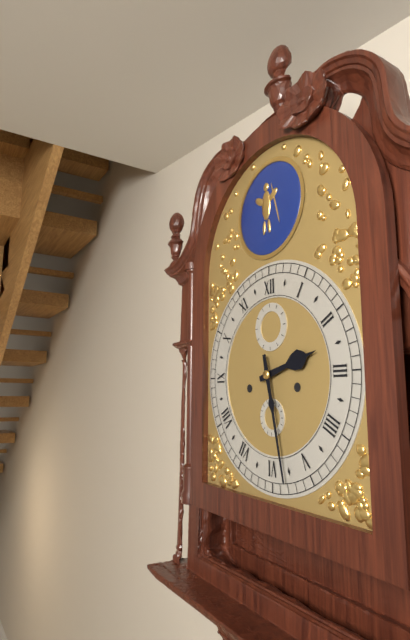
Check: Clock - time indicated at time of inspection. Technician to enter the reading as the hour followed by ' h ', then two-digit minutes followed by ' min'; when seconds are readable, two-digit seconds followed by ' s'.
2 h 28 min
